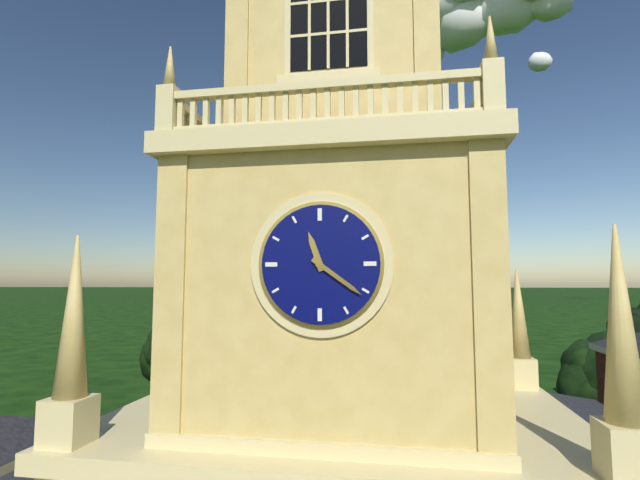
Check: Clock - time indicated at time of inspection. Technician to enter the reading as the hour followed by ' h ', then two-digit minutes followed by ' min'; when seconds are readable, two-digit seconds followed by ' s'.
11 h 21 min
